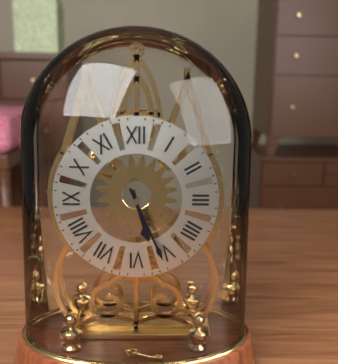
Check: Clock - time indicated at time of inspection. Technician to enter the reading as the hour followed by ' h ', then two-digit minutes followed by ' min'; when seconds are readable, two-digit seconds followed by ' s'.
5 h 26 min
